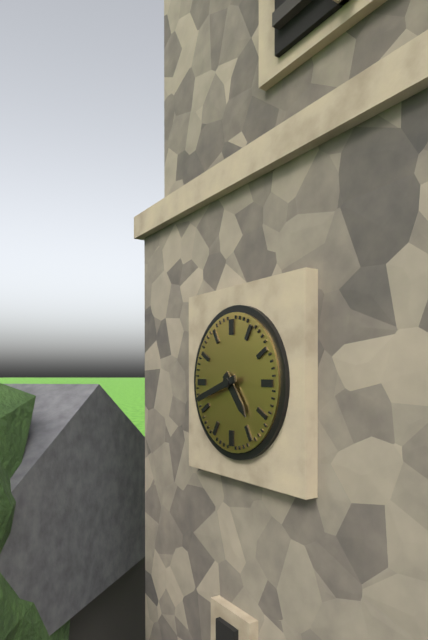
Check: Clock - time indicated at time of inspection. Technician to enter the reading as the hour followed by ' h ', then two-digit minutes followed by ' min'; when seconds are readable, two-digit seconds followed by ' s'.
4 h 42 min
